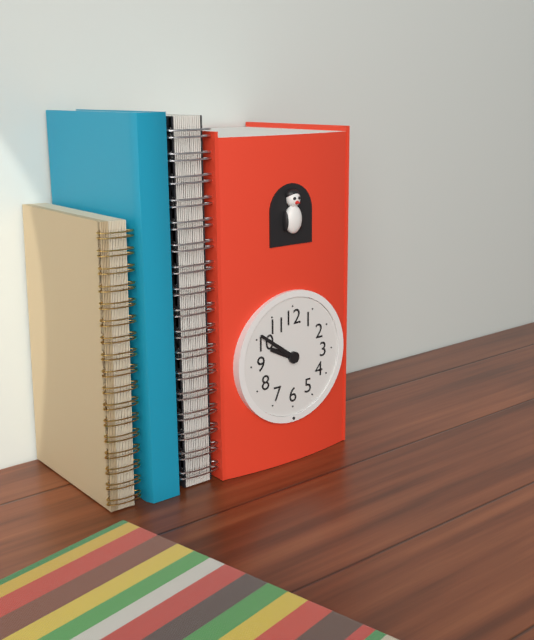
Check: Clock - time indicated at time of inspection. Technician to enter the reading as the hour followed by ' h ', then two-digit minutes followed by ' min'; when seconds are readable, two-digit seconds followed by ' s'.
9 h 51 min
